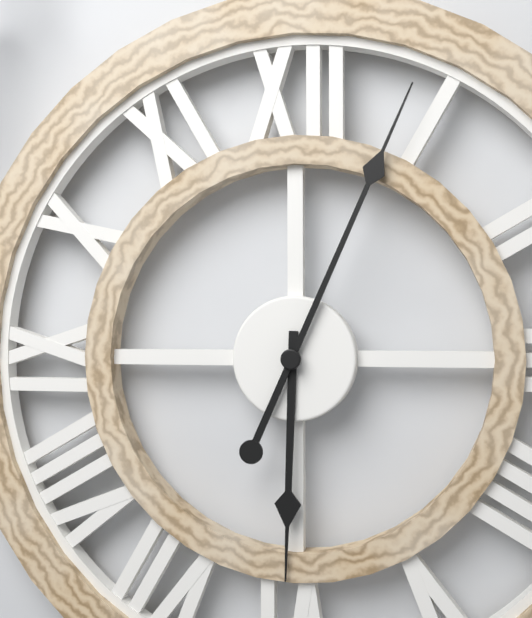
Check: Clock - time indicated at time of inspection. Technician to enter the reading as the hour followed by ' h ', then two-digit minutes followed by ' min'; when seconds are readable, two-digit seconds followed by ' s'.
6 h 04 min
